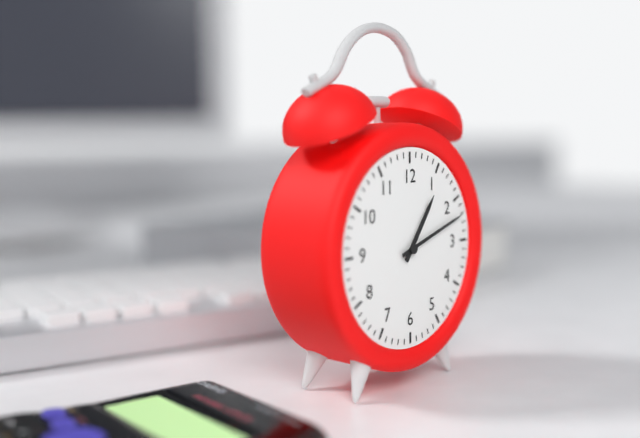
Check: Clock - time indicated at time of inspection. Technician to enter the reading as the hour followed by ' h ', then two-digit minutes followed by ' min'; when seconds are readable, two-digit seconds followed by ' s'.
1 h 12 min
